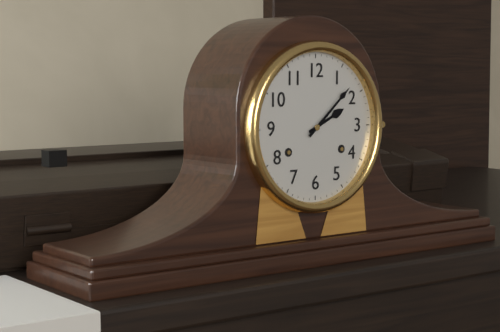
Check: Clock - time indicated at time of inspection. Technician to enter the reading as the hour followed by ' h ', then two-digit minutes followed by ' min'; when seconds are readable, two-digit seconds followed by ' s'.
2 h 08 min
